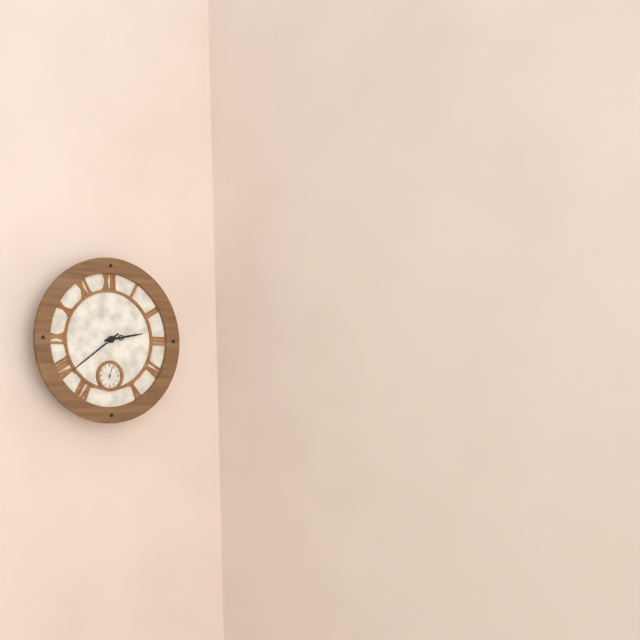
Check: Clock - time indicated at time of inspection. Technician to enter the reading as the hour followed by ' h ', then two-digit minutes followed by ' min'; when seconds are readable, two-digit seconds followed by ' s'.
2 h 39 min
